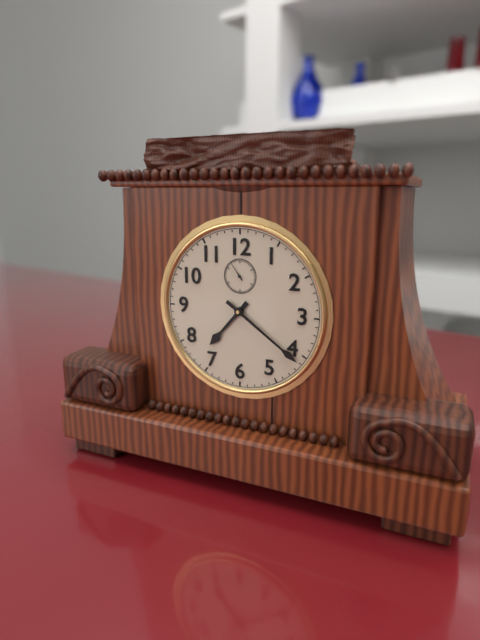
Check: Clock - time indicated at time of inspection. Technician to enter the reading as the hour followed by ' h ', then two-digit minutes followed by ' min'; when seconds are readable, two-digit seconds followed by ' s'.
7 h 21 min
